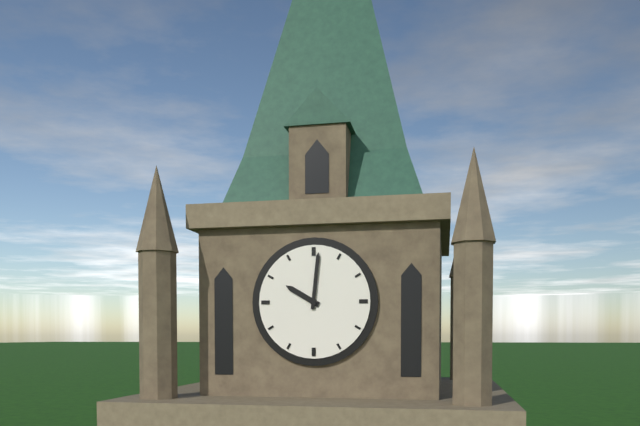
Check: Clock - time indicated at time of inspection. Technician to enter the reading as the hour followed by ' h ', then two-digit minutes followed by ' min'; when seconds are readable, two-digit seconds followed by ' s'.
10 h 01 min
